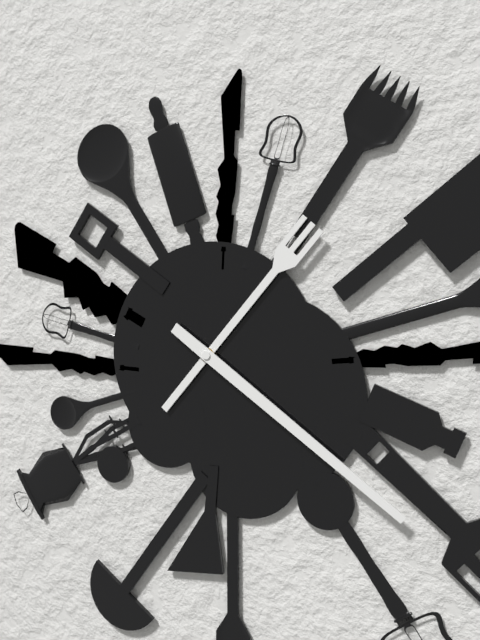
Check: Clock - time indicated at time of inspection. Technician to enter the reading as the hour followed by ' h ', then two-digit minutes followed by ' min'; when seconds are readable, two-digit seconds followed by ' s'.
1 h 21 min
